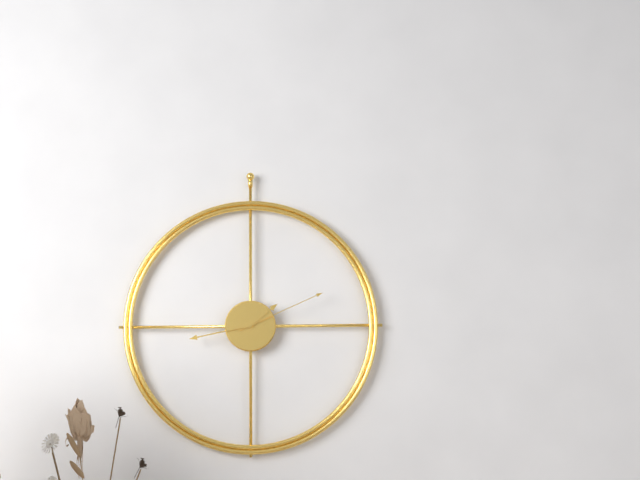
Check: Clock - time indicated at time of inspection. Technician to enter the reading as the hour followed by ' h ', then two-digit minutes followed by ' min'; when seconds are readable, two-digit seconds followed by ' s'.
1 h 43 min 11 s
